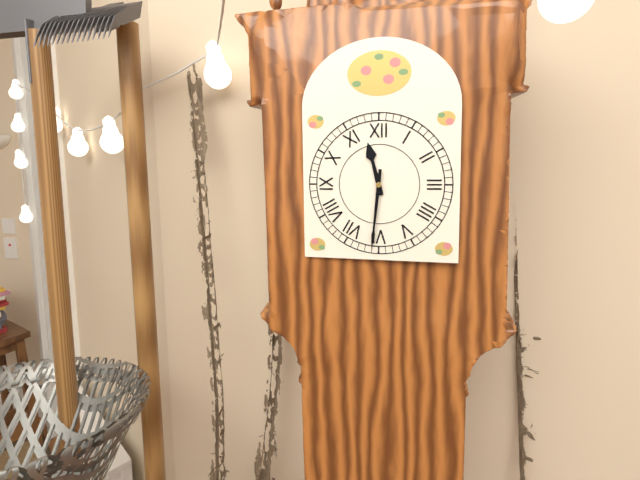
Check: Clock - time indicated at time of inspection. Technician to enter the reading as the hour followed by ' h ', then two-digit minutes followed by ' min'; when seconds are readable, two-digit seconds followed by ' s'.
11 h 31 min
